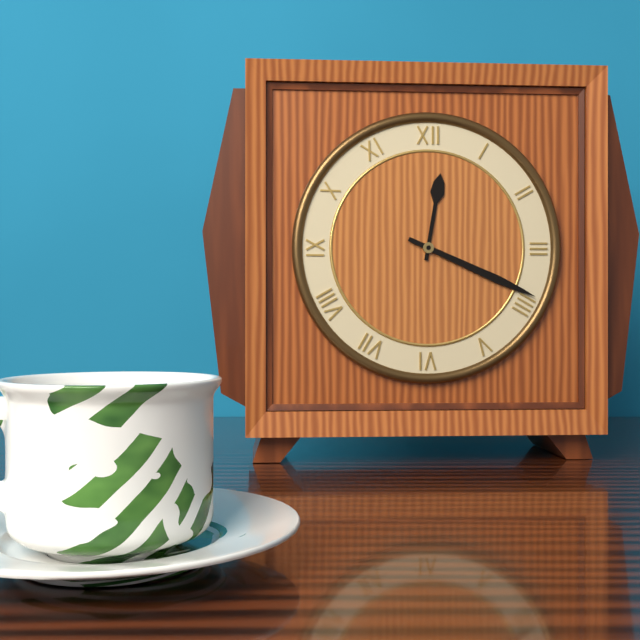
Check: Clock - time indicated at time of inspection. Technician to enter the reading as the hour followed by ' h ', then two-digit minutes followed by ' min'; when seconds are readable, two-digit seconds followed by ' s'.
12 h 19 min
